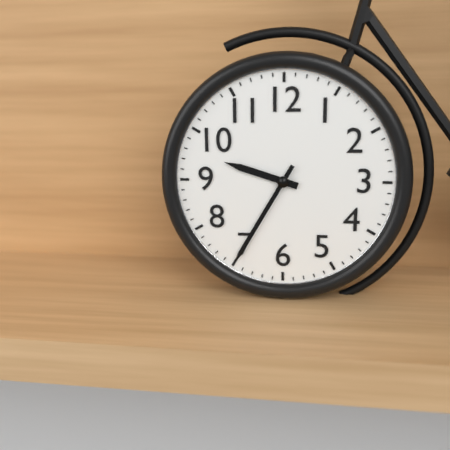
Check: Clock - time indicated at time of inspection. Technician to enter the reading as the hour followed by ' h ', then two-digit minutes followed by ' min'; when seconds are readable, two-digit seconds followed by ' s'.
9 h 35 min
